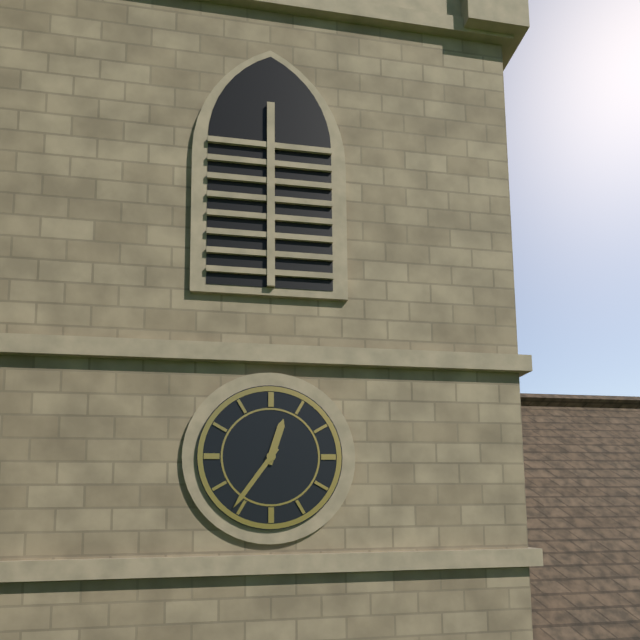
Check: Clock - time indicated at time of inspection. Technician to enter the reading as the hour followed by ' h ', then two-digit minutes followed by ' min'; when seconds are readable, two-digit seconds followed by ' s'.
12 h 36 min
